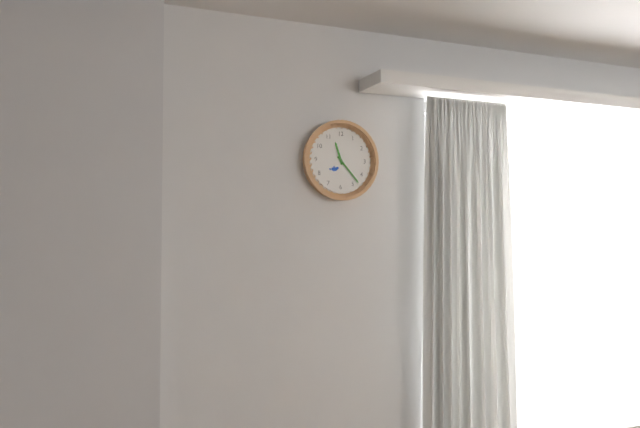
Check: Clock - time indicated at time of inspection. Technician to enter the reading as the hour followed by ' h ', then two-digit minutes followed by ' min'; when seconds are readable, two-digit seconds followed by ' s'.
11 h 23 min
